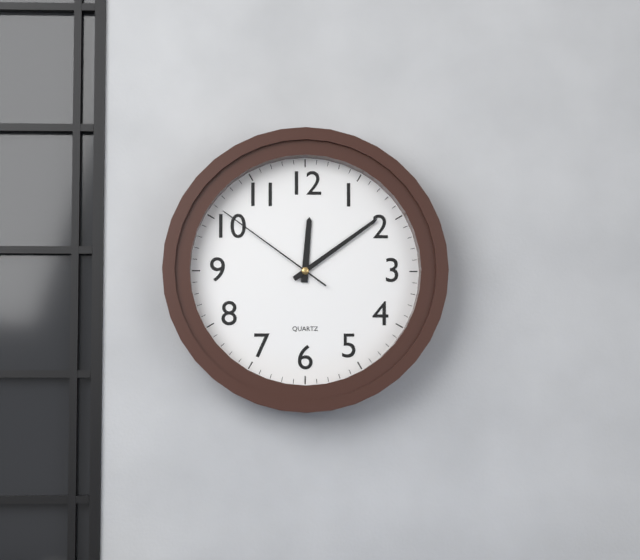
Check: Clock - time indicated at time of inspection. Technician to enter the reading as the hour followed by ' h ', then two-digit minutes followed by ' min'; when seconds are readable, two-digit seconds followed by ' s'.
12 h 09 min 51 s
